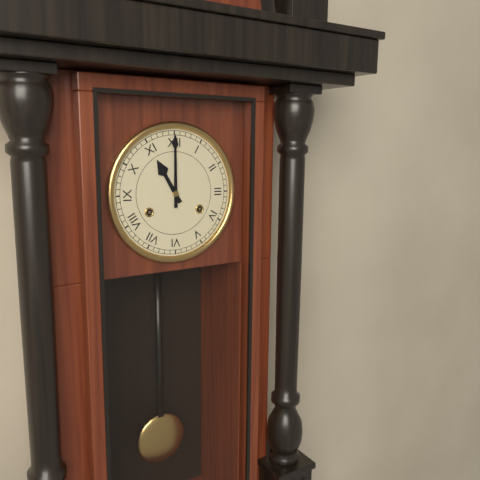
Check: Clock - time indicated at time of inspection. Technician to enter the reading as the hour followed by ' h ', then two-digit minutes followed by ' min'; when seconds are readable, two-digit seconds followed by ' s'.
11 h 00 min
